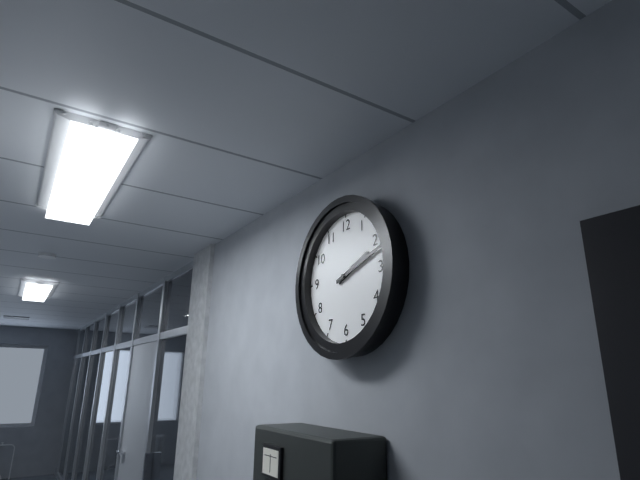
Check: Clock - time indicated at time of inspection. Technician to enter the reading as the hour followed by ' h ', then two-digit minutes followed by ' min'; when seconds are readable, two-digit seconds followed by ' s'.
2 h 12 min
